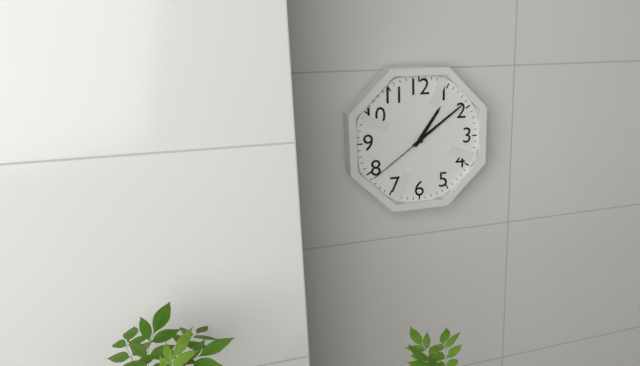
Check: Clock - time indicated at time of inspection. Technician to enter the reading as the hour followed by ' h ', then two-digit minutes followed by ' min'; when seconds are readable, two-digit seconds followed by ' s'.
1 h 09 min 39 s
